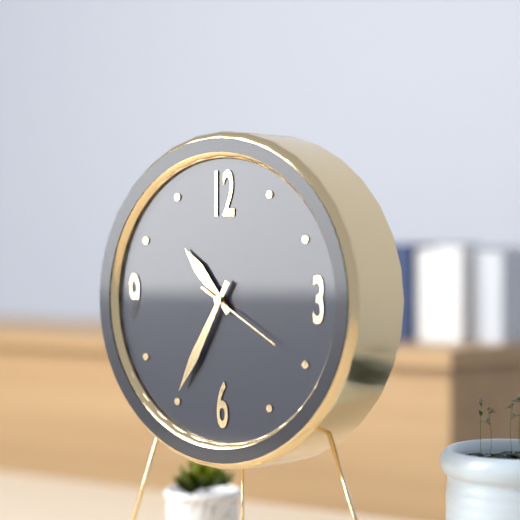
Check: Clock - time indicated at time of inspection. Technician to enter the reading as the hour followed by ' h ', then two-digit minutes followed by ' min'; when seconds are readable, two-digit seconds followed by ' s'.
10 h 35 min 20 s
